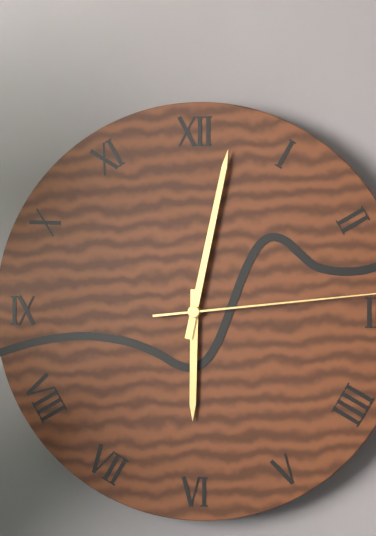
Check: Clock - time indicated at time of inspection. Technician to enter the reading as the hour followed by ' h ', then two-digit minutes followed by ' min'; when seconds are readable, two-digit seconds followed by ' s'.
6 h 02 min
